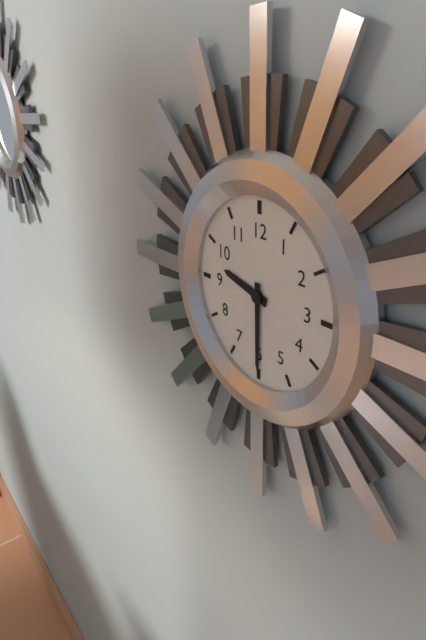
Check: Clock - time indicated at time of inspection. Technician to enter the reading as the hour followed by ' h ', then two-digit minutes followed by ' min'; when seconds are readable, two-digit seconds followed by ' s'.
9 h 30 min
